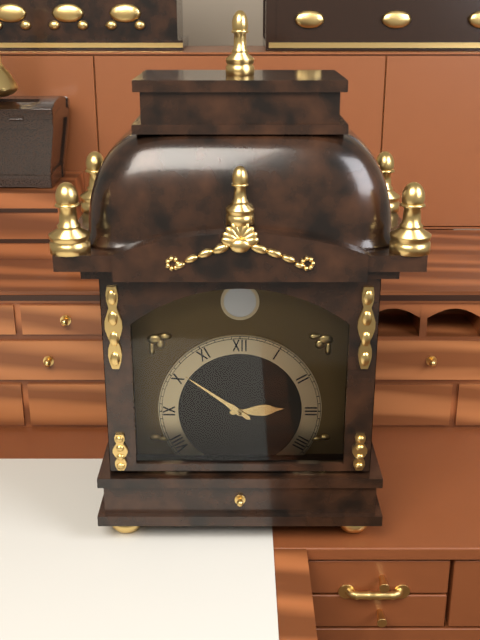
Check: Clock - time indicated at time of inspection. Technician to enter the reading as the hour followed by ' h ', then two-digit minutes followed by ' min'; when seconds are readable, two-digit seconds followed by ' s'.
2 h 51 min
